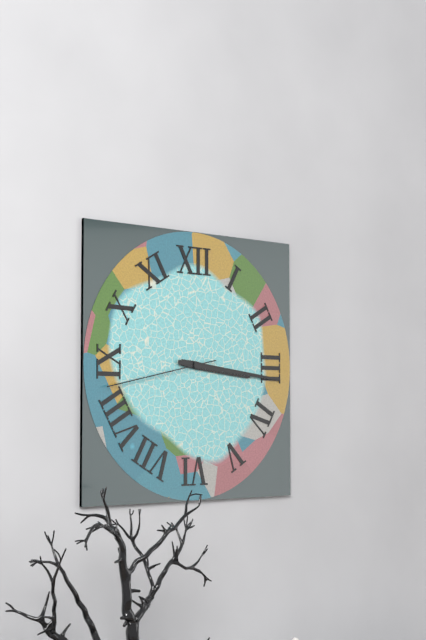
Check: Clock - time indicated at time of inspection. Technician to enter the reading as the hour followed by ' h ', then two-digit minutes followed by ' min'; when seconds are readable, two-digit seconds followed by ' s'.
3 h 16 min 43 s
